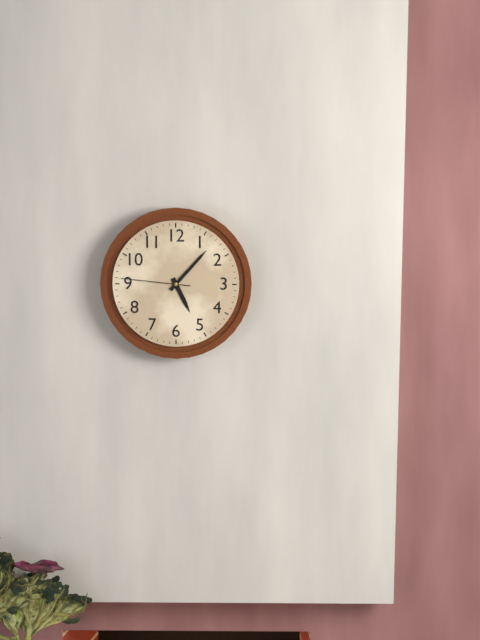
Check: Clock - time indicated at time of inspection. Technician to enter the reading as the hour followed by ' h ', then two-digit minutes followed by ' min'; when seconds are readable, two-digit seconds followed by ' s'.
5 h 07 min 46 s
